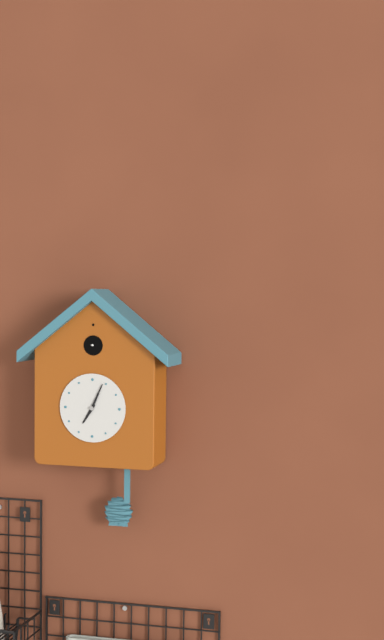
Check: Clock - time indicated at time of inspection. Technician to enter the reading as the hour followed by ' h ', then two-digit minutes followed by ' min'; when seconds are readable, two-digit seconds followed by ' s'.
7 h 04 min
